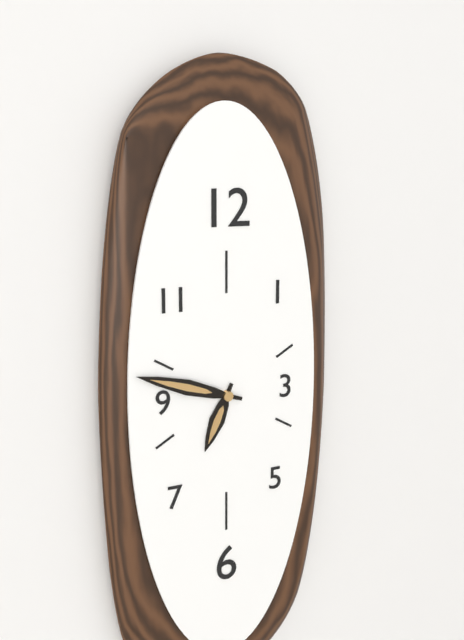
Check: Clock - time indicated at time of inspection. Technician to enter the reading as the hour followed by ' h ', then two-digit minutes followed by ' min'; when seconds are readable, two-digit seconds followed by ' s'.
6 h 48 min
